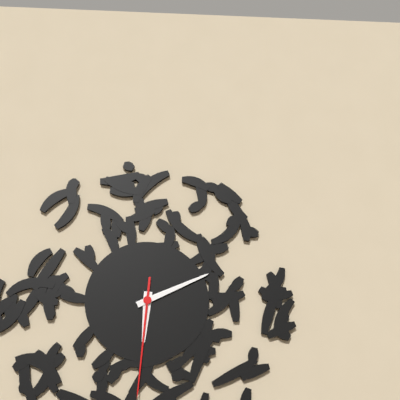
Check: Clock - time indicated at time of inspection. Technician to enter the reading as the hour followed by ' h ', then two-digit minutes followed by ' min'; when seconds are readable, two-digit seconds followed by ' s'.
6 h 11 min 31 s
